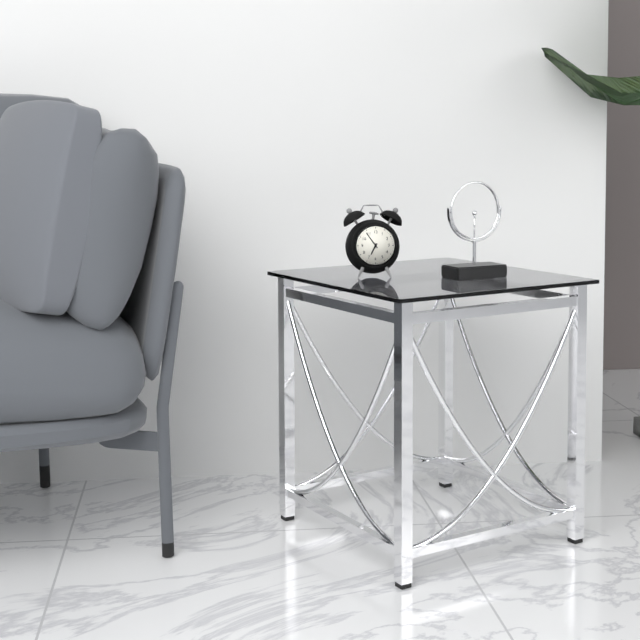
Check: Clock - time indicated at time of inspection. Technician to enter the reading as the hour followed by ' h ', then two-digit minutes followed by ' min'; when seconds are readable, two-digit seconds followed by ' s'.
6 h 54 min
